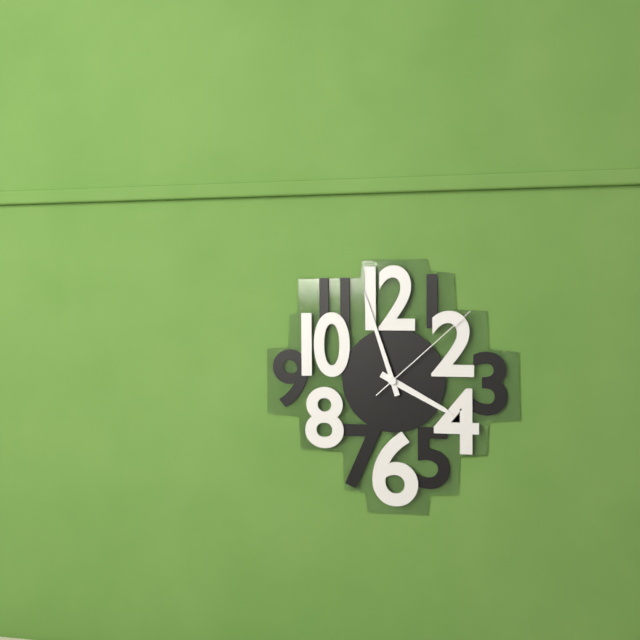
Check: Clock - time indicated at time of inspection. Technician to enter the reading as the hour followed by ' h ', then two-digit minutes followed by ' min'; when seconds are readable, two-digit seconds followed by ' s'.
3 h 57 min 08 s
